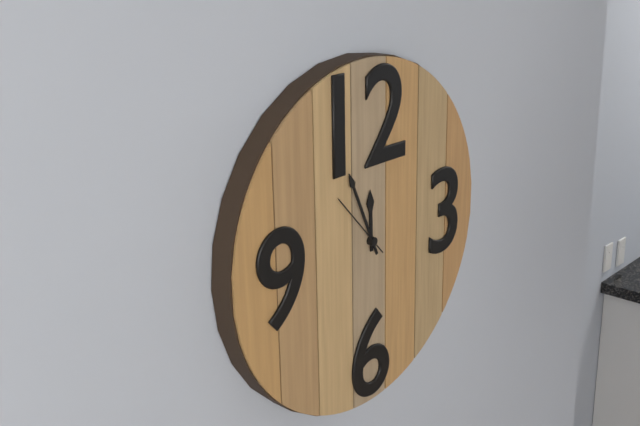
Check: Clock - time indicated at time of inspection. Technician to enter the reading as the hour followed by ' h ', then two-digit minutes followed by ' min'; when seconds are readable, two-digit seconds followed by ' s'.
11 h 56 min 53 s
